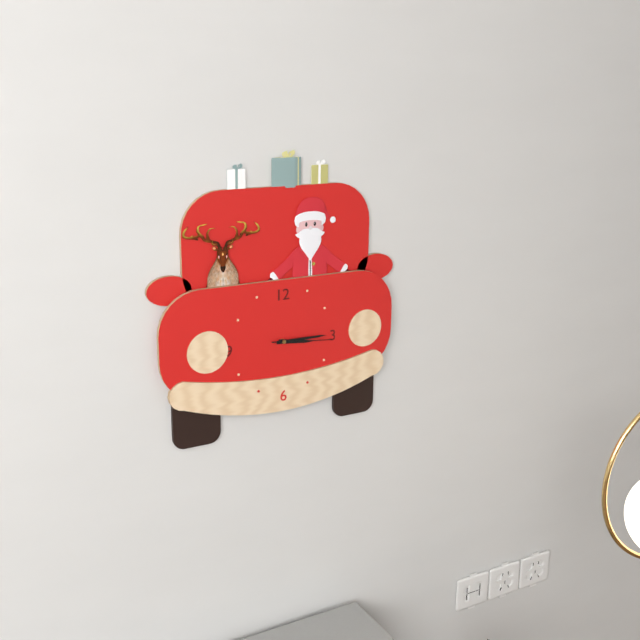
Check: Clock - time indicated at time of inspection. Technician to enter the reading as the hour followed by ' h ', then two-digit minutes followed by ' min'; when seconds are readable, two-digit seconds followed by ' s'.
3 h 15 min 16 s
